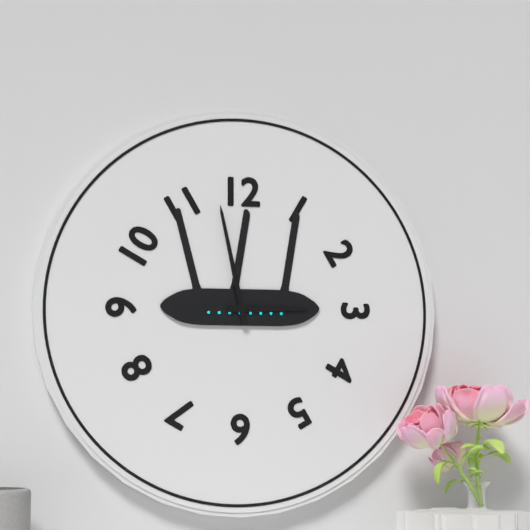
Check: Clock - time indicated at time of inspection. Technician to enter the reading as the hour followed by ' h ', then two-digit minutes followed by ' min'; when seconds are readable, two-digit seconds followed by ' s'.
2 h 58 min
